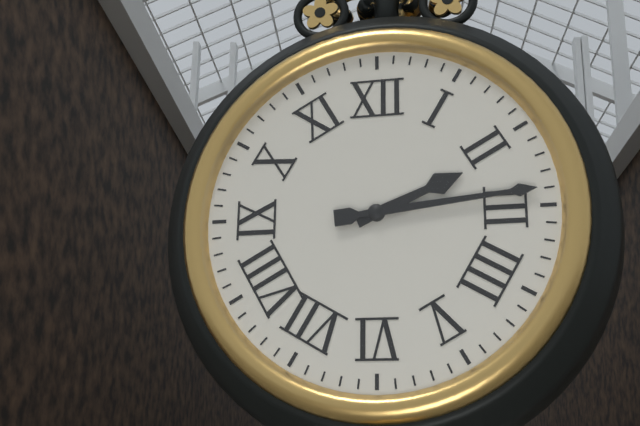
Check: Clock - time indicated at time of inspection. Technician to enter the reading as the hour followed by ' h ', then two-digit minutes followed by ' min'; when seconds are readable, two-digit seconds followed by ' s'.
2 h 14 min
